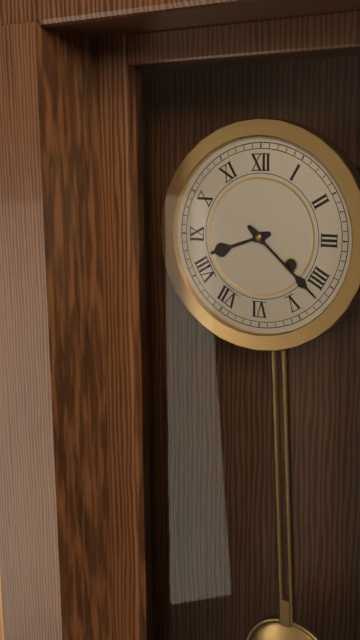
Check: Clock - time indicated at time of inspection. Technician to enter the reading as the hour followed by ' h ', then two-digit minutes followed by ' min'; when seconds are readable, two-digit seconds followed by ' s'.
8 h 22 min
